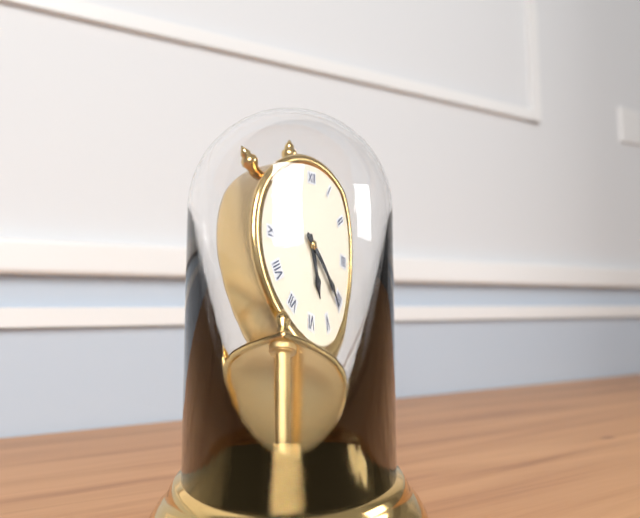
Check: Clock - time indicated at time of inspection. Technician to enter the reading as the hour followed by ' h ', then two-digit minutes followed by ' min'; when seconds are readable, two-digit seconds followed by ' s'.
5 h 21 min
